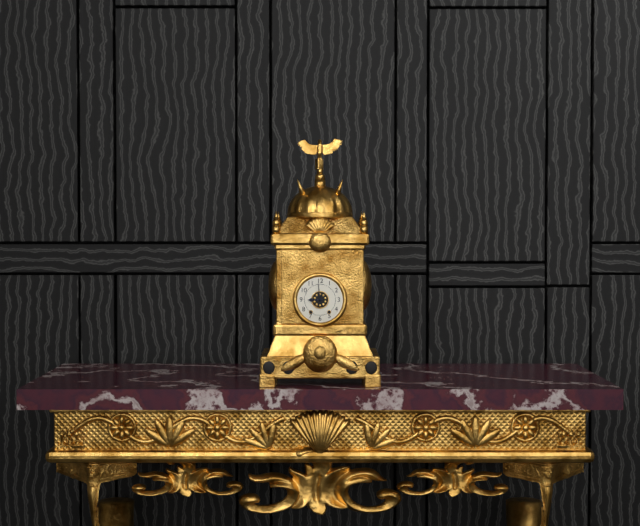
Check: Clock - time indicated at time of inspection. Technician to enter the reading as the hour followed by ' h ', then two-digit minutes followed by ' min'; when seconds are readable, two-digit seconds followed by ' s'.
8 h 59 min
